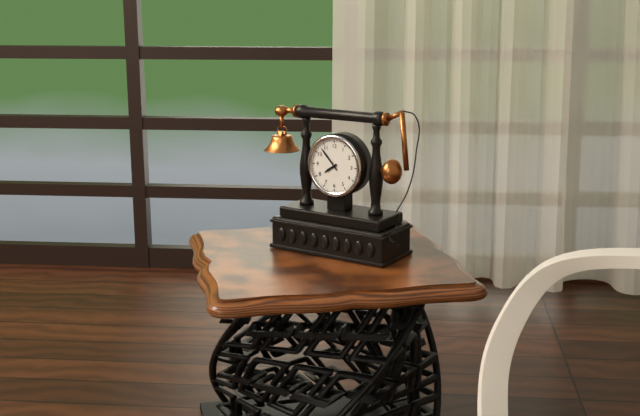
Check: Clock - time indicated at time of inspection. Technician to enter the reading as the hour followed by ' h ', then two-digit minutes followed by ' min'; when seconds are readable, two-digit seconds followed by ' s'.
7 h 53 min
